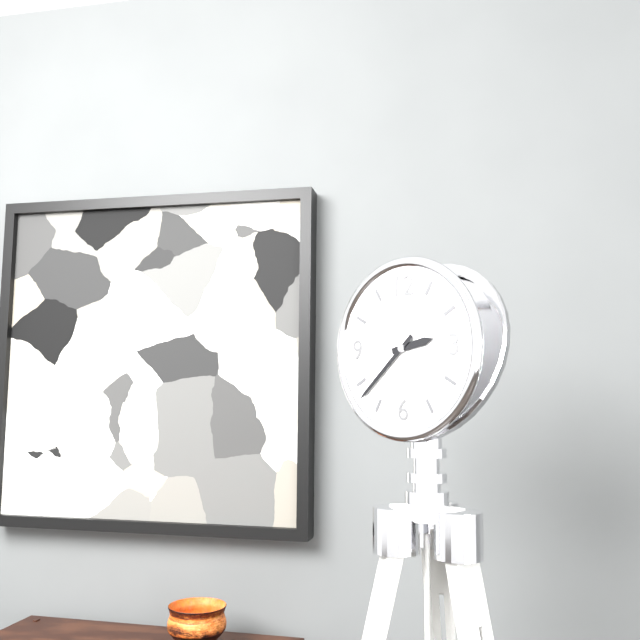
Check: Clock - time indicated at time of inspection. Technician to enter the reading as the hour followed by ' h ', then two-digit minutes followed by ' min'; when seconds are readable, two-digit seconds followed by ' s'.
2 h 38 min
